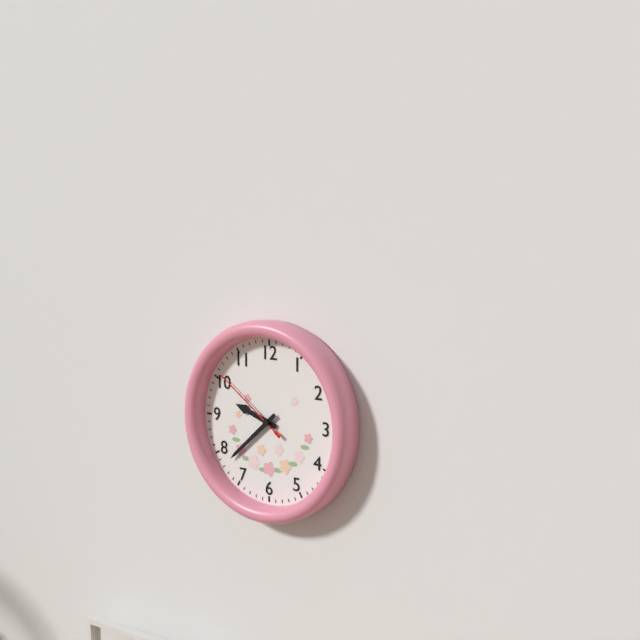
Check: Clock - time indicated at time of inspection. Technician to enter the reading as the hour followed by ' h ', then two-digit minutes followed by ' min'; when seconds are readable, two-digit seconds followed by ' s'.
9 h 38 min 51 s
